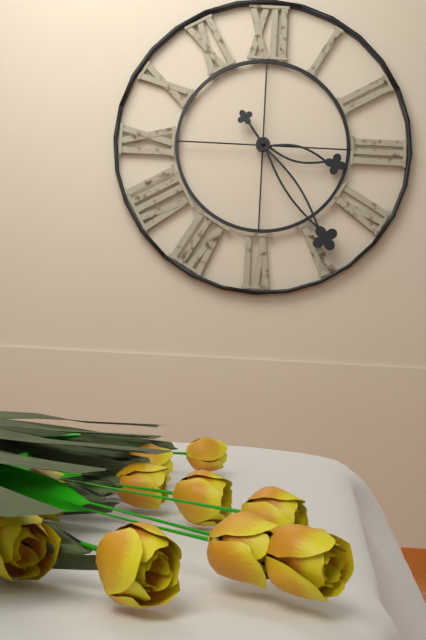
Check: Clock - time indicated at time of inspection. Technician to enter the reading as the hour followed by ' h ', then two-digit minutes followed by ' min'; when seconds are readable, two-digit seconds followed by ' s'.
3 h 24 min
